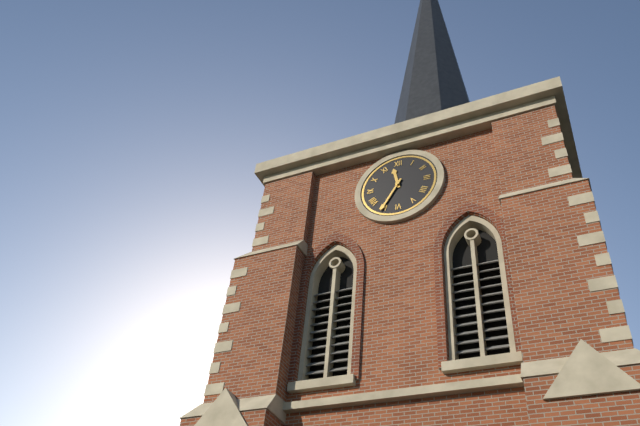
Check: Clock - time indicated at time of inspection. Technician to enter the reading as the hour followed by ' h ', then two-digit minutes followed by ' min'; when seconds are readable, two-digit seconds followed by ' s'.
11 h 35 min
